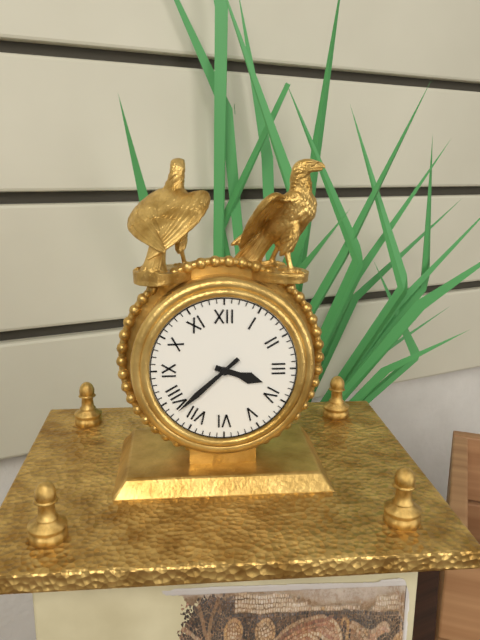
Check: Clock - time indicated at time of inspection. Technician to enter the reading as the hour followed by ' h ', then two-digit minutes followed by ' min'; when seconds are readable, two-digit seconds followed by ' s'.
3 h 38 min
